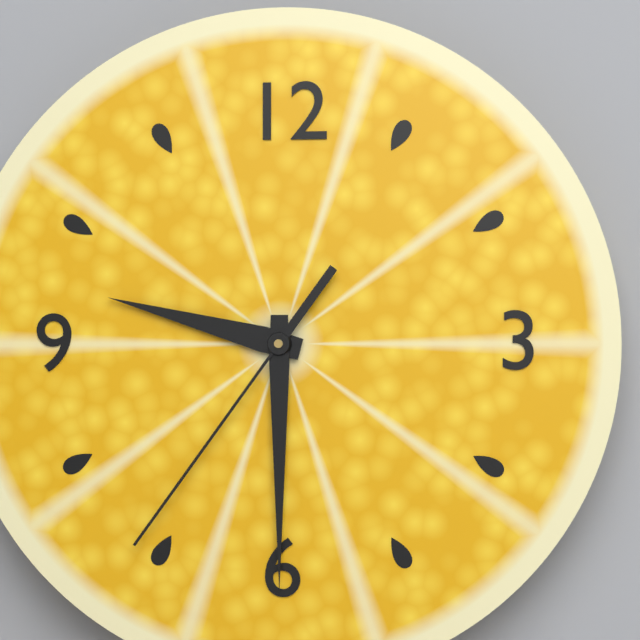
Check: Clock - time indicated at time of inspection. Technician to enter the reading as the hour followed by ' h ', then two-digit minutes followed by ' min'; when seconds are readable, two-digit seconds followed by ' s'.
9 h 30 min 36 s
